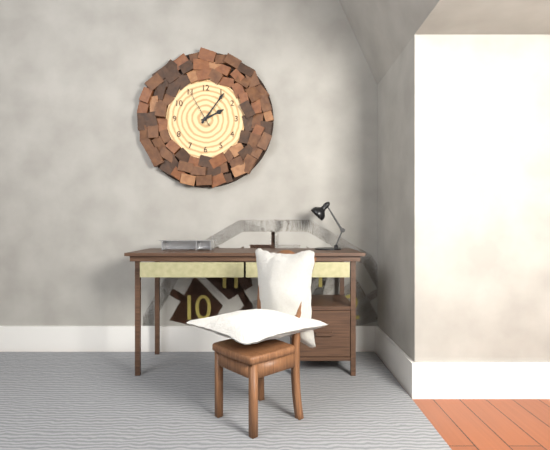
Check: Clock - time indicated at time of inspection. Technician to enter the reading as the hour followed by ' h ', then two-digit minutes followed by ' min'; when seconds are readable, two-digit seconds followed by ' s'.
2 h 06 min
